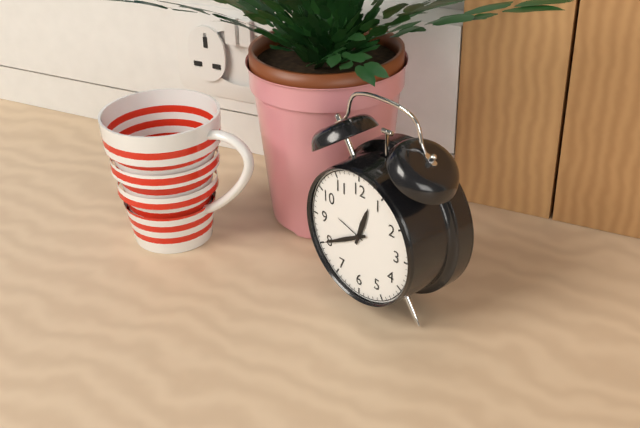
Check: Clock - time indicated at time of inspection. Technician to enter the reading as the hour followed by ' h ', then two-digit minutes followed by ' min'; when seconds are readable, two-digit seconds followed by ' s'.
12 h 40 min
